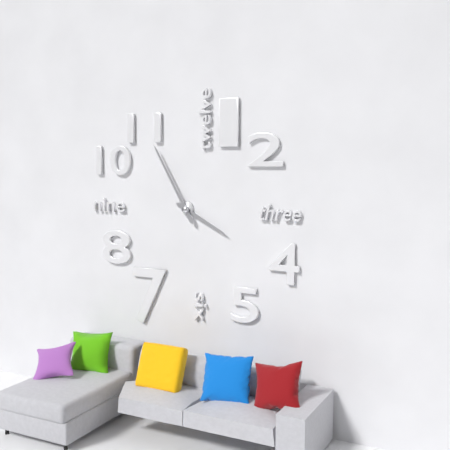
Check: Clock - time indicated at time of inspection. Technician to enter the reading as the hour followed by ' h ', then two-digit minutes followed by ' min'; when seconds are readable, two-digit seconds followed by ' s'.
3 h 55 min
